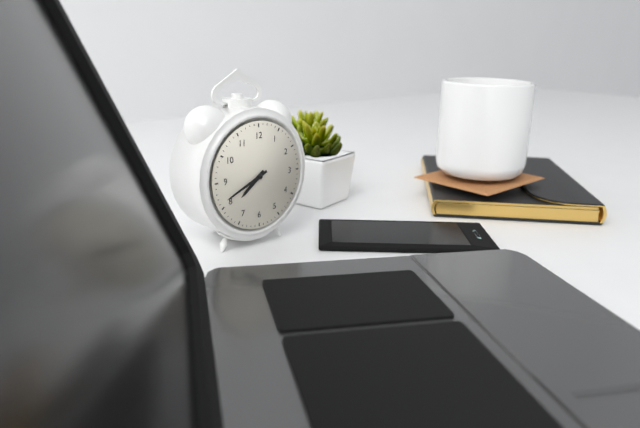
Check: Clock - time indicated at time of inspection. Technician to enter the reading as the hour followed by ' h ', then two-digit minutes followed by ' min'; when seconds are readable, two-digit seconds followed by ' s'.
7 h 41 min
